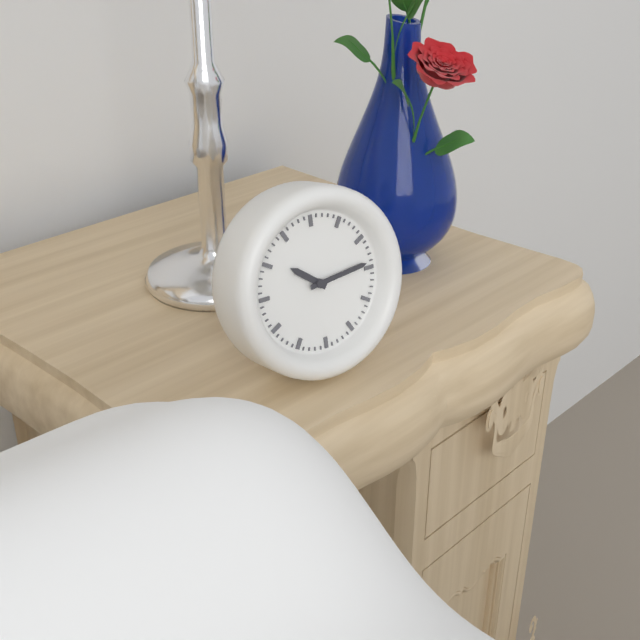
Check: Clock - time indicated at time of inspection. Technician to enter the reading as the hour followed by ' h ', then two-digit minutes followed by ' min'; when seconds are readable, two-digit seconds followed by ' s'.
10 h 14 min
